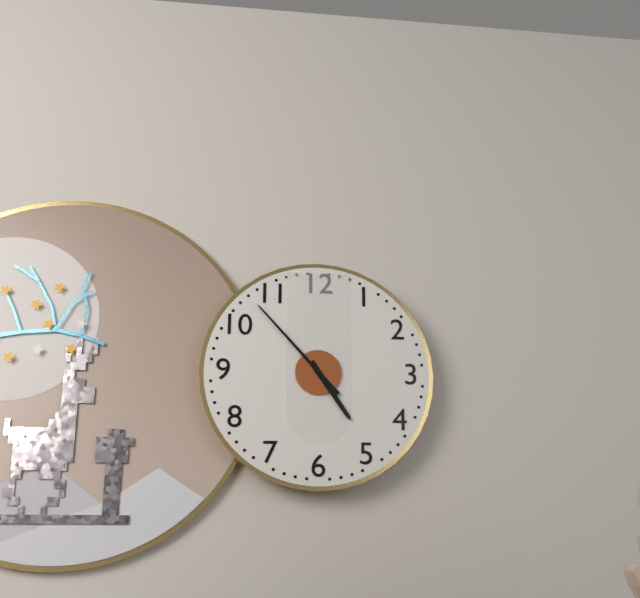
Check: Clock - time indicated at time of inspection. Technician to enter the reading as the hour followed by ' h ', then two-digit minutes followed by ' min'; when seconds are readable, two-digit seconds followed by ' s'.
4 h 53 min
